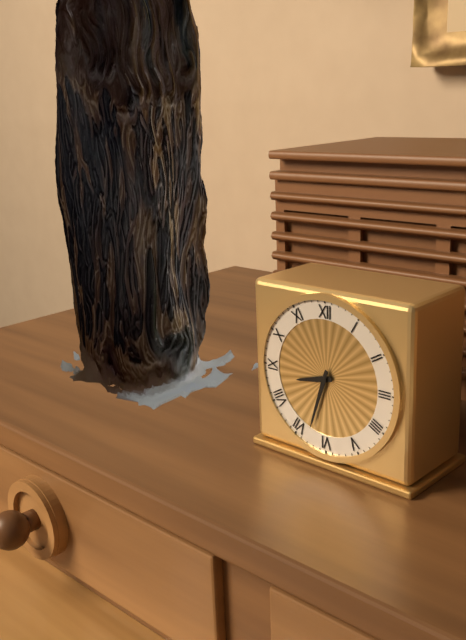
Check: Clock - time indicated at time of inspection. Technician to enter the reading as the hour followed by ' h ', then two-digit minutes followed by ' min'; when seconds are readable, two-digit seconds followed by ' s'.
8 h 33 min
